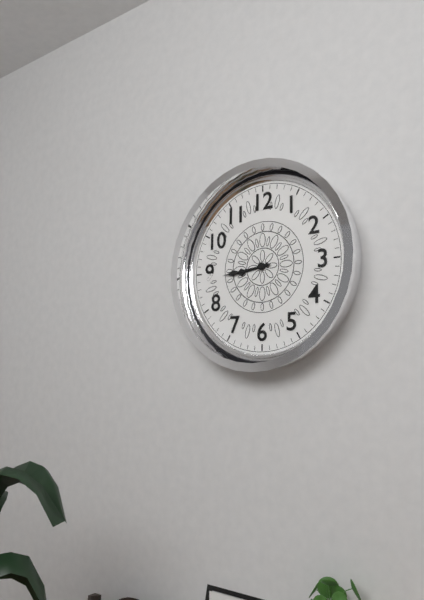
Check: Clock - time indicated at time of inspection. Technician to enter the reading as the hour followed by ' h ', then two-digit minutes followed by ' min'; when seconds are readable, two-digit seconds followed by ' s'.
8 h 44 min
